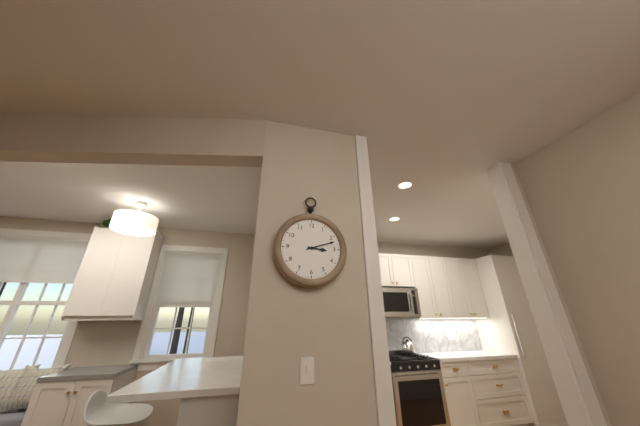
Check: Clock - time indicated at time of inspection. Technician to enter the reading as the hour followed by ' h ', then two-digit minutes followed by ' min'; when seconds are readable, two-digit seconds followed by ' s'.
3 h 12 min
